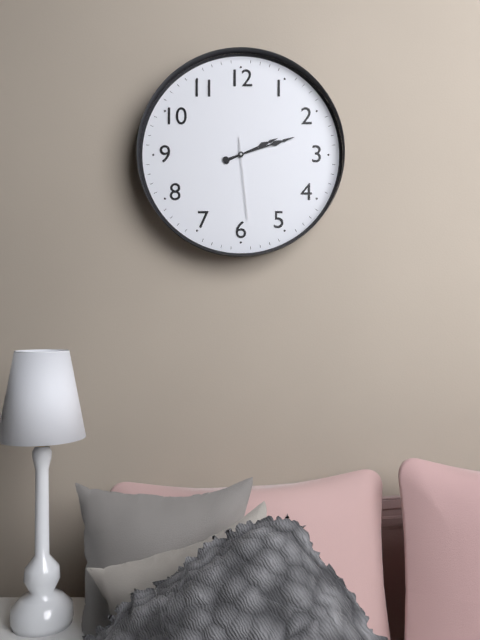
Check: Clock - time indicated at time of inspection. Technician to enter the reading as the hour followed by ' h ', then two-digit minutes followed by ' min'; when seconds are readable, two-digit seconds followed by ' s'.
2 h 12 min 29 s
